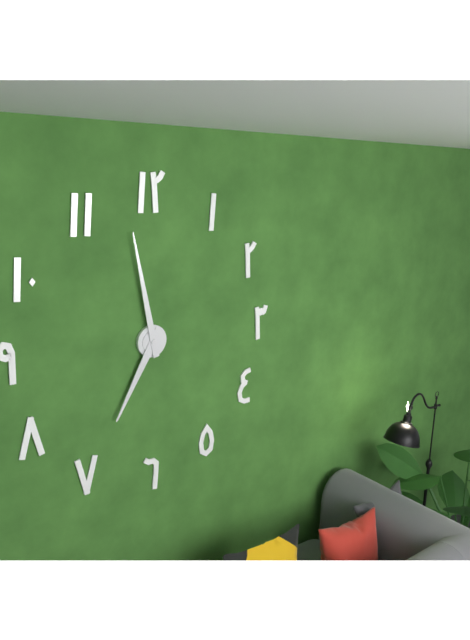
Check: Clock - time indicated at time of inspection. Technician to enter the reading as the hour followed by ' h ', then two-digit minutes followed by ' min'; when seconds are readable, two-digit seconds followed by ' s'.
6 h 58 min
